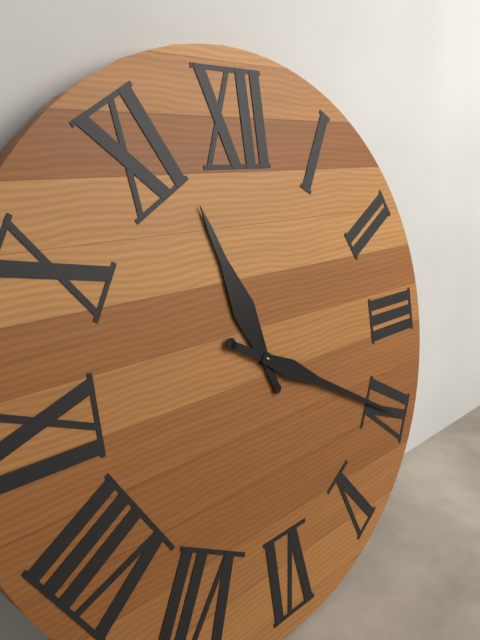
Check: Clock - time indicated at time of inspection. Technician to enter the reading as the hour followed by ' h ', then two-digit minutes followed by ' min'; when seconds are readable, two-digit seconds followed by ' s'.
11 h 20 min
